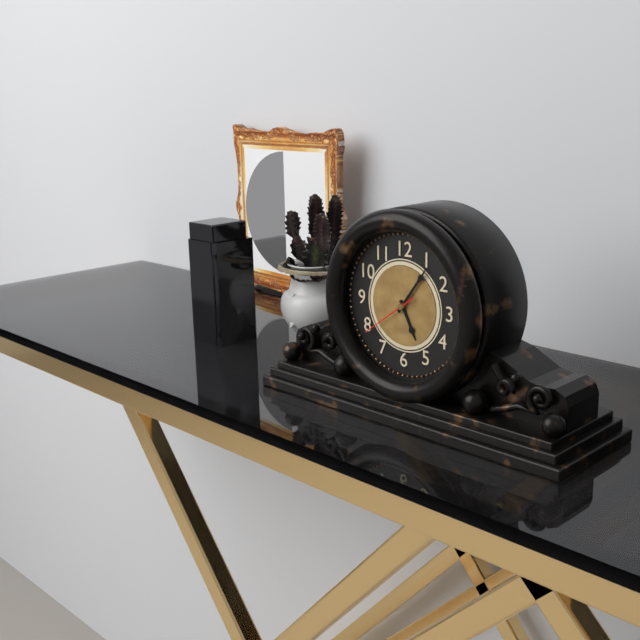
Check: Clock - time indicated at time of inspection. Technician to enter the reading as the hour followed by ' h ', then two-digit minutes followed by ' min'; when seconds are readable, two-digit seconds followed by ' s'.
5 h 06 min 39 s
